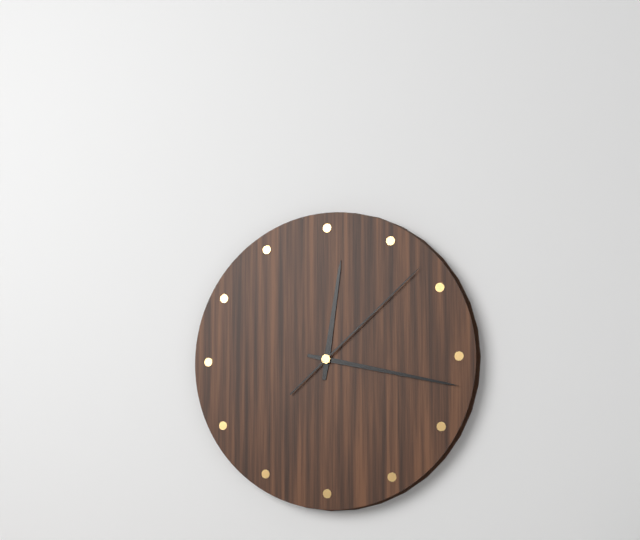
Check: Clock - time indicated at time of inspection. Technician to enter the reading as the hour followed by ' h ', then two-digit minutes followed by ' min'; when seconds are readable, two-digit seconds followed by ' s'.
12 h 17 min 08 s
